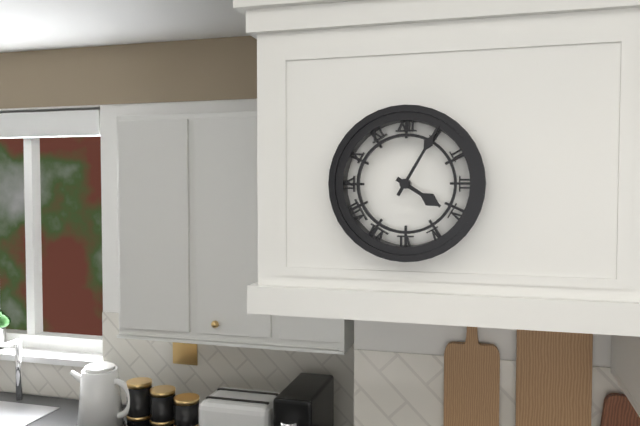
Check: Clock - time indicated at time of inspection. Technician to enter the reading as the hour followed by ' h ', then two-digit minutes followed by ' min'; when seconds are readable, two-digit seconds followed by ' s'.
4 h 05 min
